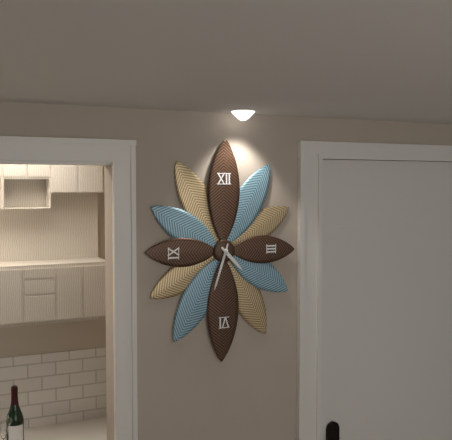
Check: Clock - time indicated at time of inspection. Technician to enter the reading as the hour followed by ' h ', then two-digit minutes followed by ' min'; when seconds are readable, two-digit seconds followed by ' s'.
4 h 33 min
